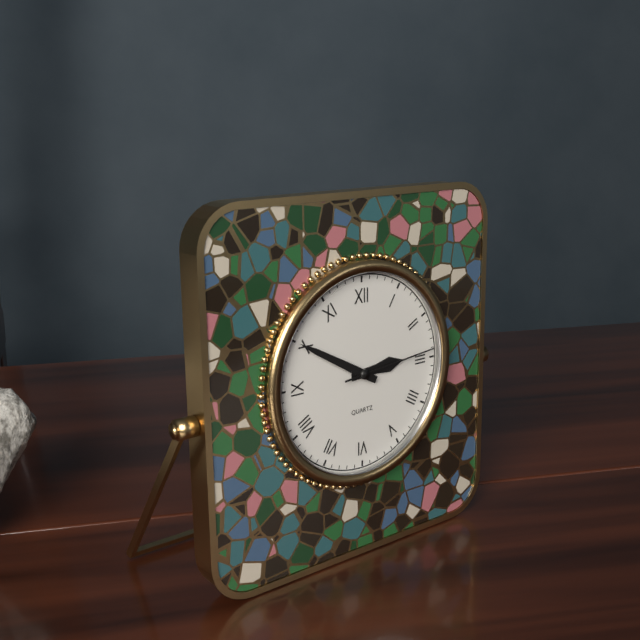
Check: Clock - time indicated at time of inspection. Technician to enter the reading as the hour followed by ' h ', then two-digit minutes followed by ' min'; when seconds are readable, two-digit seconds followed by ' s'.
2 h 50 min 14 s
